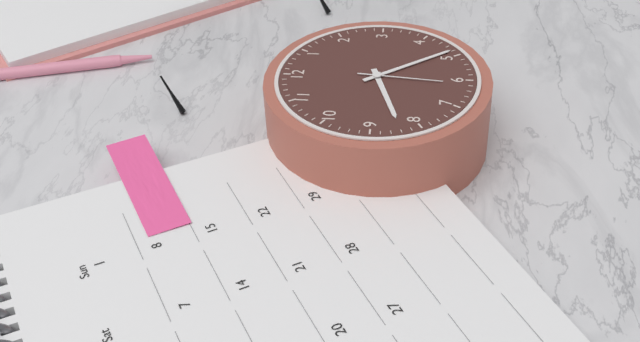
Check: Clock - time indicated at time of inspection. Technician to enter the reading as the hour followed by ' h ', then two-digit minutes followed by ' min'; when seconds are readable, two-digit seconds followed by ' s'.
8 h 24 min 31 s
